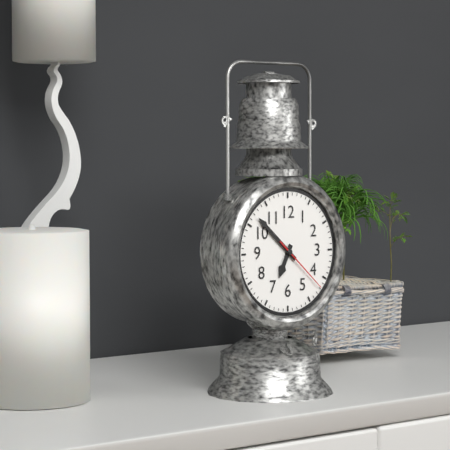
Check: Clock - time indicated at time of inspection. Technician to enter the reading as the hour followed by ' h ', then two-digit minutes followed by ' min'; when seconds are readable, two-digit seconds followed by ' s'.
6 h 52 min 22 s
